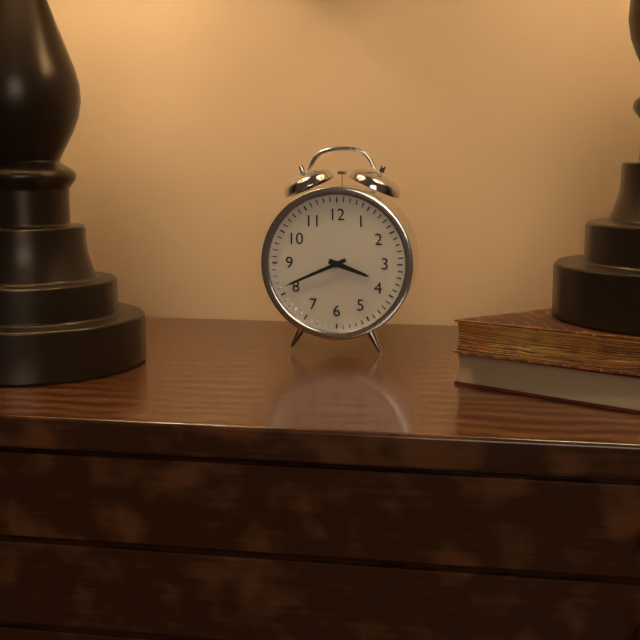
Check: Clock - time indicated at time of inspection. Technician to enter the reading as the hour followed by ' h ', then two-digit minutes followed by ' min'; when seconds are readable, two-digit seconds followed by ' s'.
3 h 41 min
